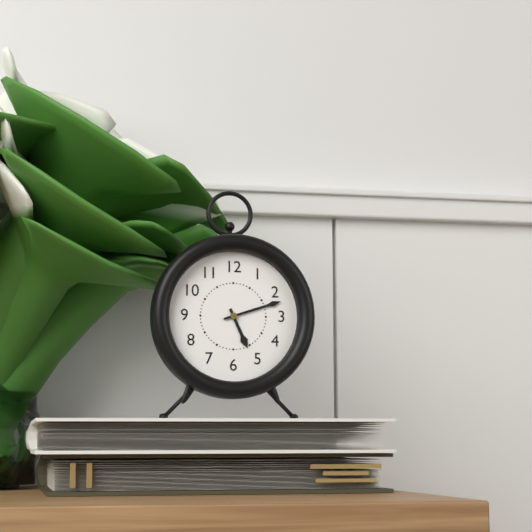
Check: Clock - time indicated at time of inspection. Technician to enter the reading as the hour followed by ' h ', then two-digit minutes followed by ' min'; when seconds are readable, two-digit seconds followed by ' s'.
5 h 12 min
